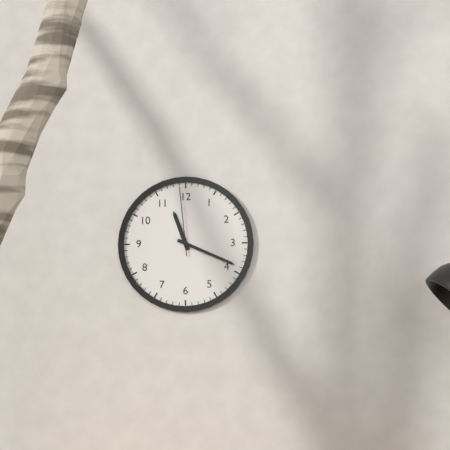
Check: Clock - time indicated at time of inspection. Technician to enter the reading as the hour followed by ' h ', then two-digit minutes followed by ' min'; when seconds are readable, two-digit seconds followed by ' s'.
11 h 19 min 59 s
